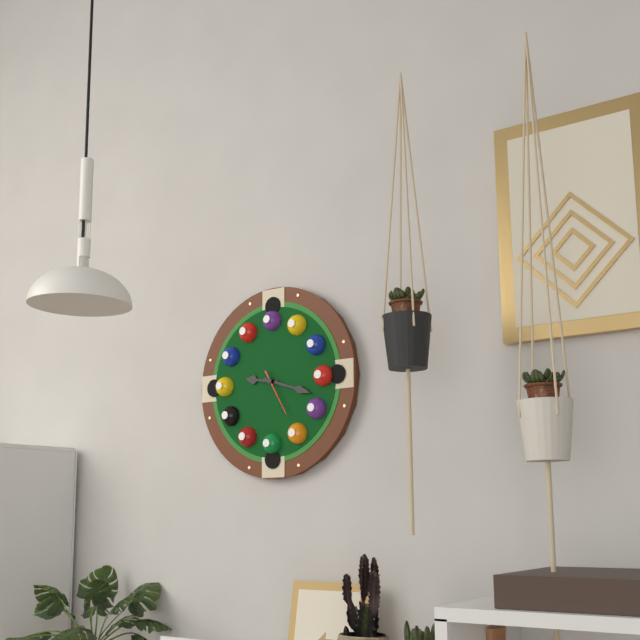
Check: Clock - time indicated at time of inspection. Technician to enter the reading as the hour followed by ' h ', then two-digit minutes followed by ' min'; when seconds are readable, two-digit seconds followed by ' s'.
9 h 18 min
